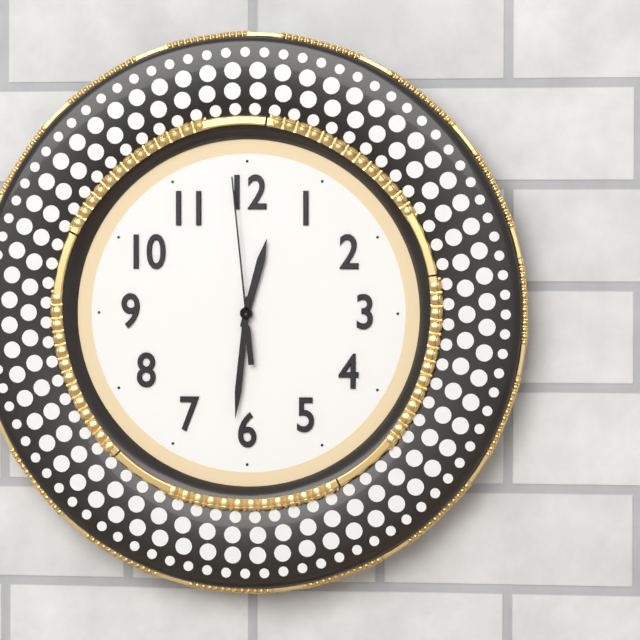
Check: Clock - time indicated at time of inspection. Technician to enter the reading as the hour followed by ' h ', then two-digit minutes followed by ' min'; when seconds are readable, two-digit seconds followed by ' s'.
12 h 31 min 59 s
